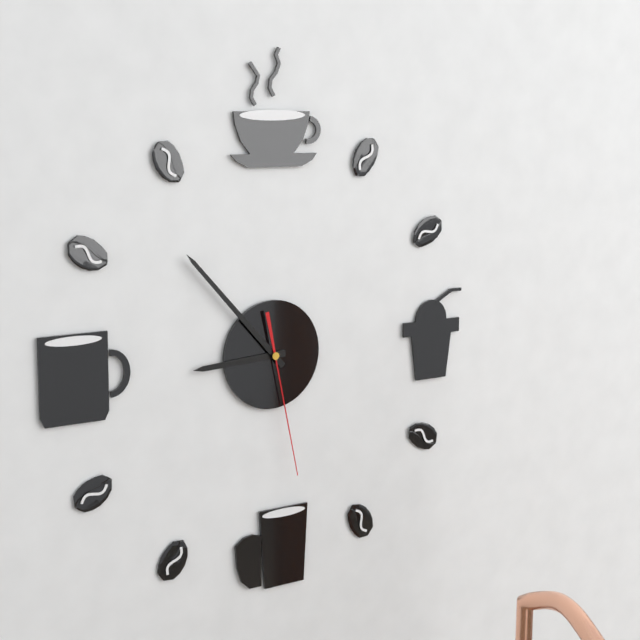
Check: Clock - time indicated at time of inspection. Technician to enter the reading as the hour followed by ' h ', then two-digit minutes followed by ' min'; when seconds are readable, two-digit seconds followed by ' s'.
8 h 53 min 28 s
